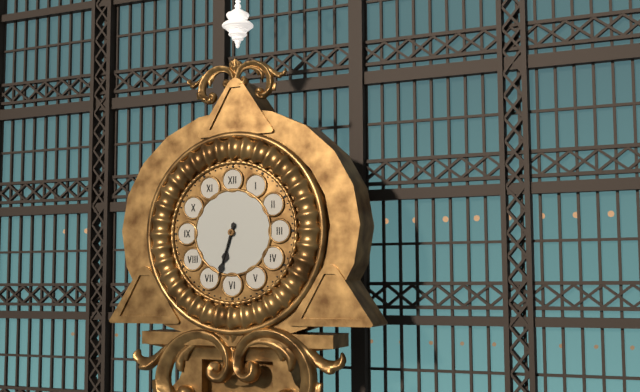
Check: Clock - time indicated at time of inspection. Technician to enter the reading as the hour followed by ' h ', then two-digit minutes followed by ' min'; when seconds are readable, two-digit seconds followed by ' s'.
6 h 33 min
